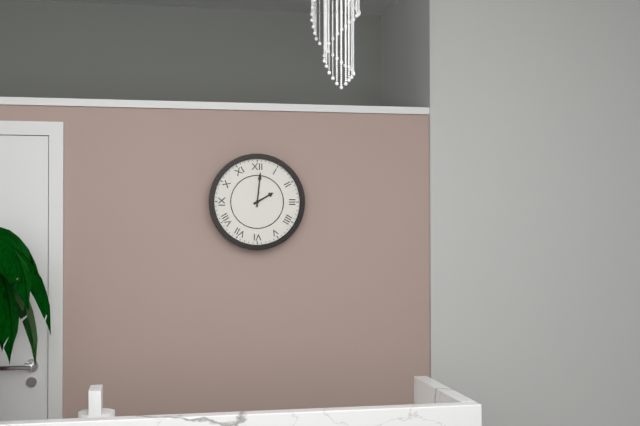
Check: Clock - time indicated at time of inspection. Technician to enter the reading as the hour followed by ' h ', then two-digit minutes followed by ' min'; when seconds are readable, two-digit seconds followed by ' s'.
2 h 01 min
